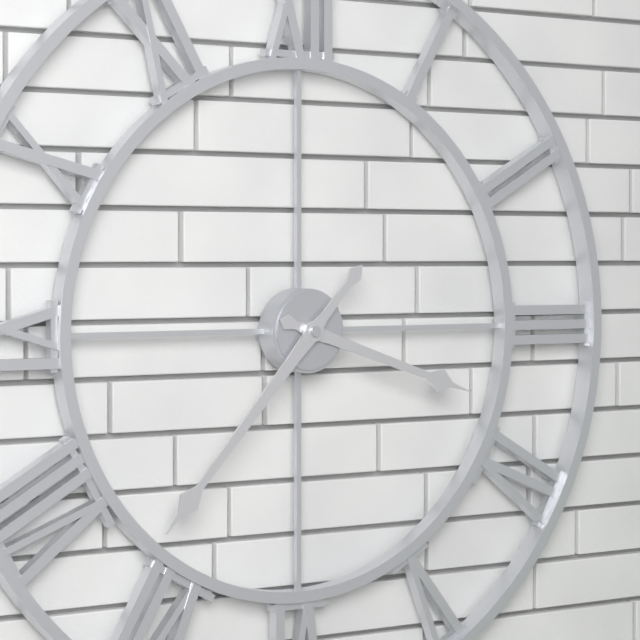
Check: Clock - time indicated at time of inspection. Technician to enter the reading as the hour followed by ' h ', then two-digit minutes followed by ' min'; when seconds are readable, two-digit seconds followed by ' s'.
3 h 37 min
